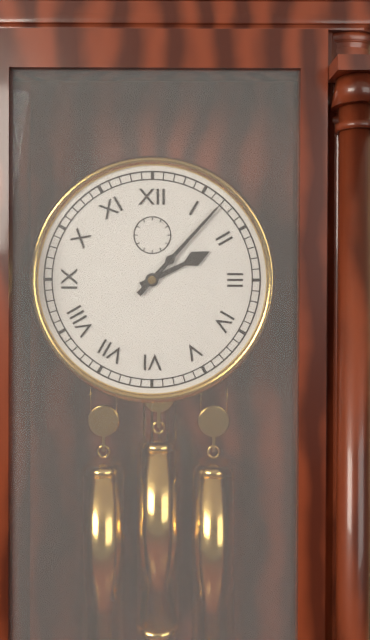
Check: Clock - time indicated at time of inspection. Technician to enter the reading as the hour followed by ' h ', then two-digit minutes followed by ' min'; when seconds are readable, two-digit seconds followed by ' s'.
2 h 07 min
